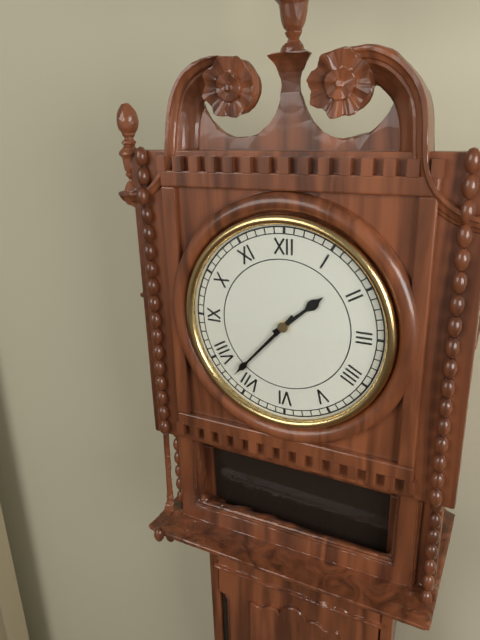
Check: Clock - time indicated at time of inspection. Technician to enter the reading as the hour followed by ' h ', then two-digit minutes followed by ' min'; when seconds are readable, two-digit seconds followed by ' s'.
1 h 37 min
